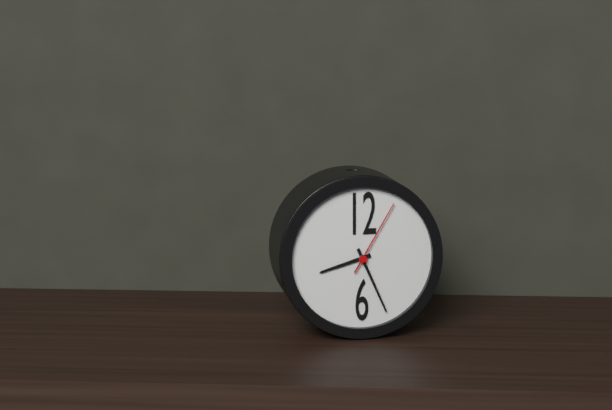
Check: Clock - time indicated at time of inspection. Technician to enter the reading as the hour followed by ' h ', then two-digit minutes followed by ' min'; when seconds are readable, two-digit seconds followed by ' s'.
8 h 26 min 05 s
